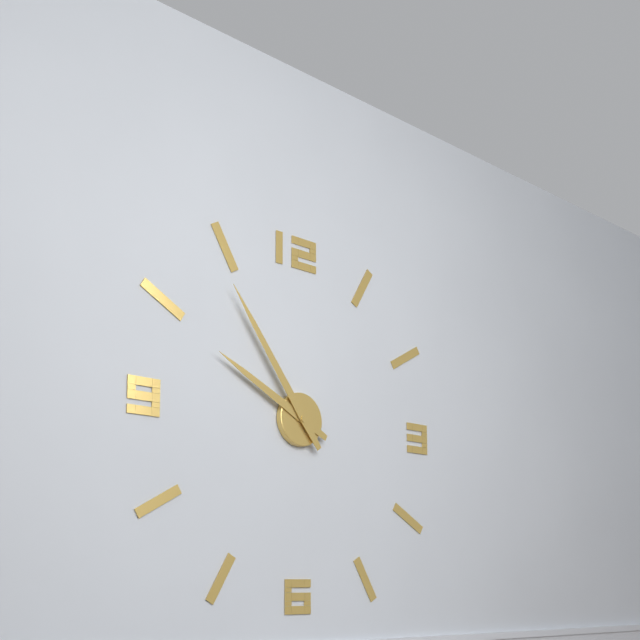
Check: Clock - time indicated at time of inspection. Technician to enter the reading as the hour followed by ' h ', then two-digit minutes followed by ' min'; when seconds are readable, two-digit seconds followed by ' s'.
9 h 54 min
